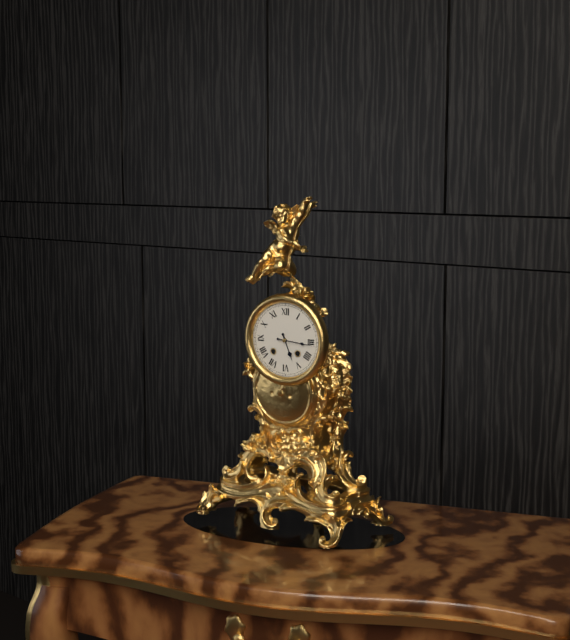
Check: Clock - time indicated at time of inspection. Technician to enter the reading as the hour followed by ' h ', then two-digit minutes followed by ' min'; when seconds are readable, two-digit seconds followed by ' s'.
5 h 16 min
